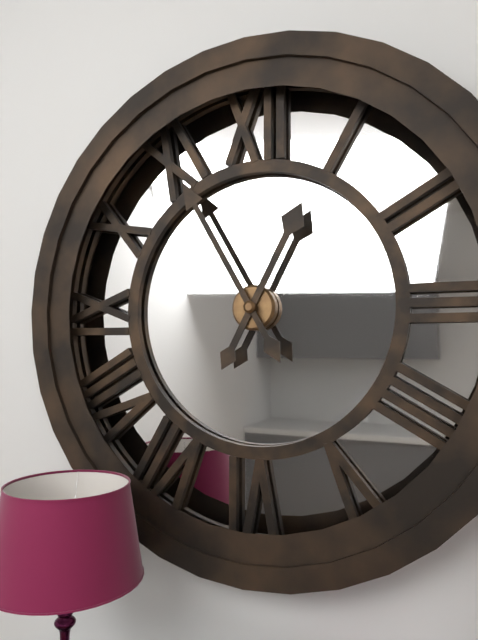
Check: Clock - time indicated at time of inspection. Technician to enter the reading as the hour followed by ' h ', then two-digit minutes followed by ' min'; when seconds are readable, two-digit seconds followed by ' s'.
12 h 55 min
